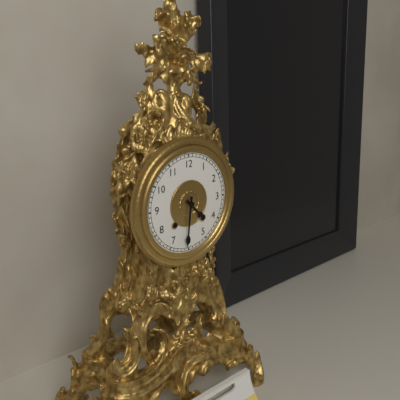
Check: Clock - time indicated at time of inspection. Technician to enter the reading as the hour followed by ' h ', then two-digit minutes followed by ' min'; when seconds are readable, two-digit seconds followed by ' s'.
4 h 31 min
